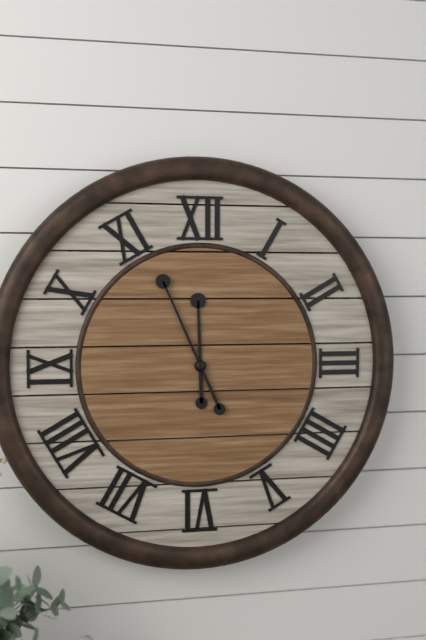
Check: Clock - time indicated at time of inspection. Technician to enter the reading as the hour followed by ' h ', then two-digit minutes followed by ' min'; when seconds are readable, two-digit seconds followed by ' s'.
11 h 56 min
